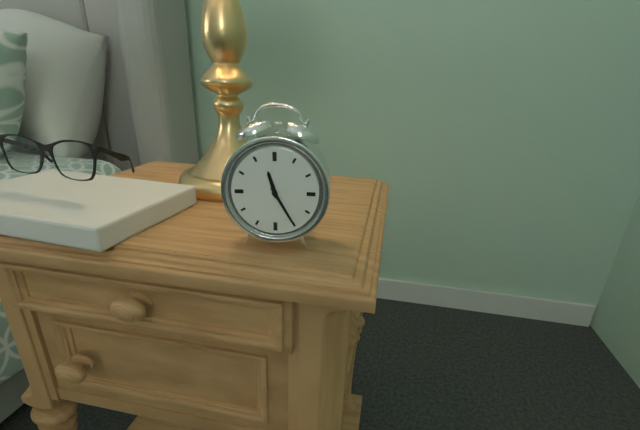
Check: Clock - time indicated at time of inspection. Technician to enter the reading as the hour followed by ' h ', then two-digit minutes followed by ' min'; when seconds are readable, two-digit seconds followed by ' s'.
11 h 25 min
